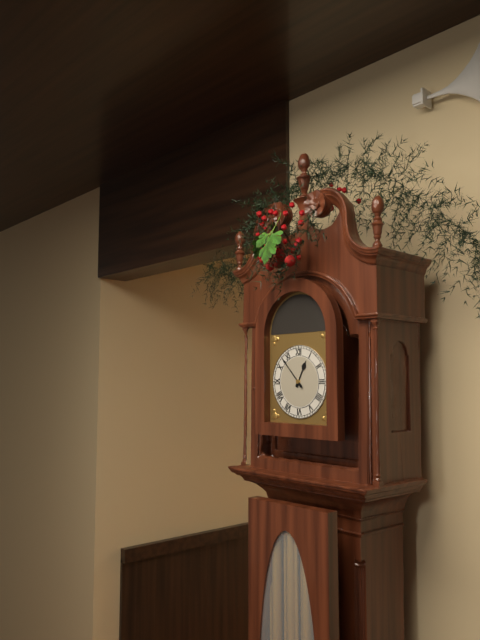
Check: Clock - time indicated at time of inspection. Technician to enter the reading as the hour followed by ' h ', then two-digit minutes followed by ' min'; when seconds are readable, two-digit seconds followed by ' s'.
12 h 53 min
